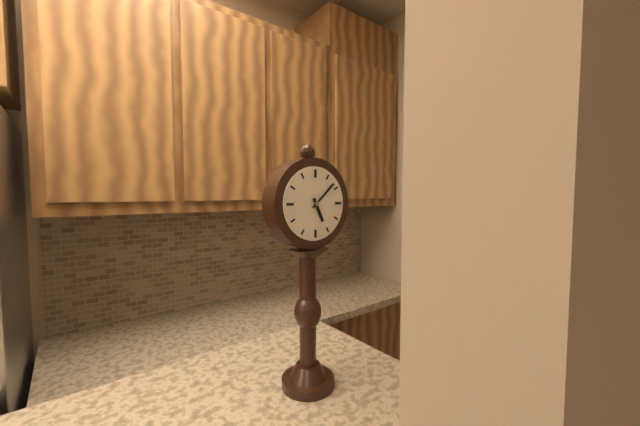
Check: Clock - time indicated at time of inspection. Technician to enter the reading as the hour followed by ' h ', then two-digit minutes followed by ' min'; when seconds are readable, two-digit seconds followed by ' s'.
5 h 08 min
